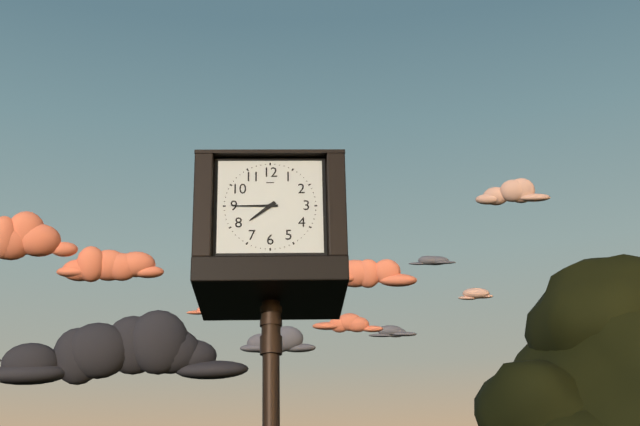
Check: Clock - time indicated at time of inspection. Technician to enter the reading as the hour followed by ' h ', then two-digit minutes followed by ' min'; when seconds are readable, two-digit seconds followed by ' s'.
7 h 45 min
